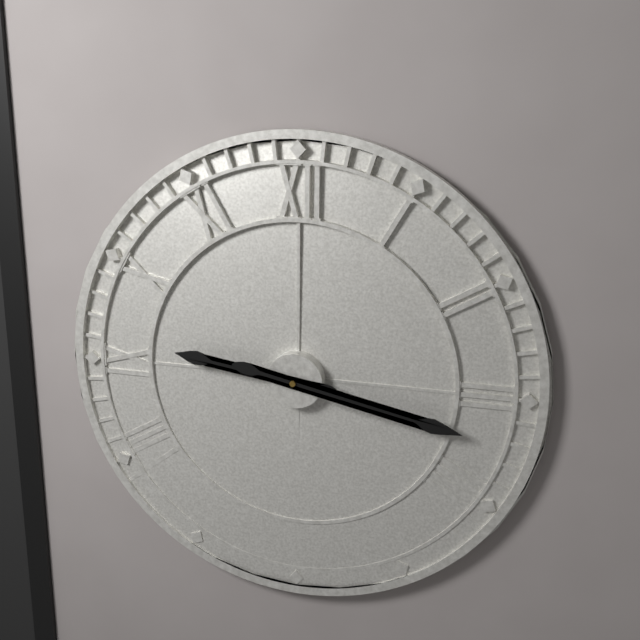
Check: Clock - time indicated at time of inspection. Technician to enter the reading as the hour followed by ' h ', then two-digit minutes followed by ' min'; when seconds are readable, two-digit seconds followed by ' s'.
9 h 17 min
